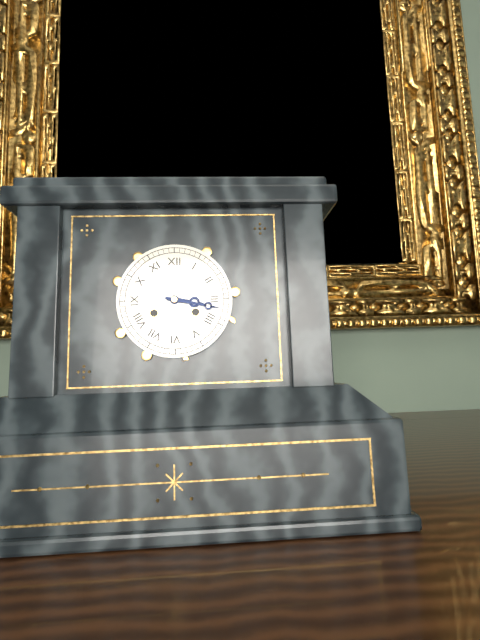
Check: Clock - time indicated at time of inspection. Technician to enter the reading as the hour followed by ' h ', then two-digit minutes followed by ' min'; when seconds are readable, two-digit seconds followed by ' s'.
3 h 17 min
